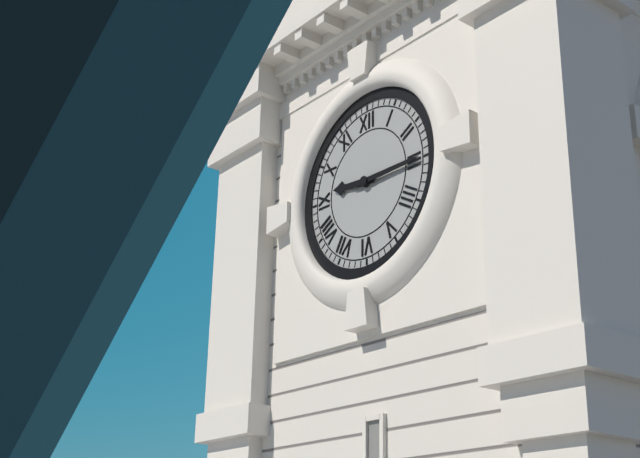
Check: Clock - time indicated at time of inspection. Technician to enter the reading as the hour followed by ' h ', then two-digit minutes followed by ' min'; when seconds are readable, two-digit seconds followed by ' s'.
9 h 15 min
